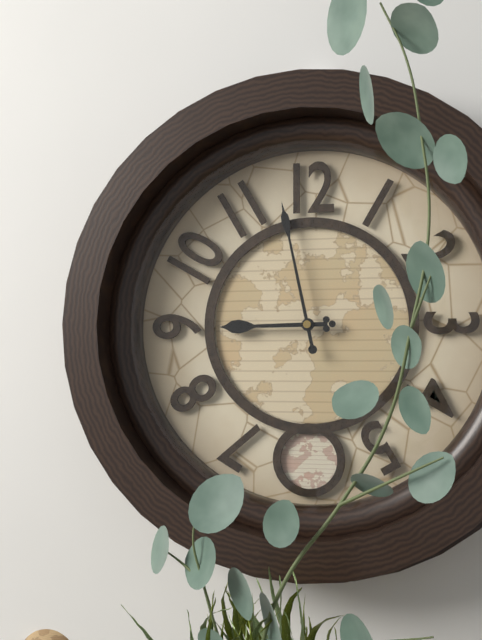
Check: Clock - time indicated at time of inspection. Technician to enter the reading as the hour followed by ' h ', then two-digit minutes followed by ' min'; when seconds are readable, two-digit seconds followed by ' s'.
8 h 58 min
